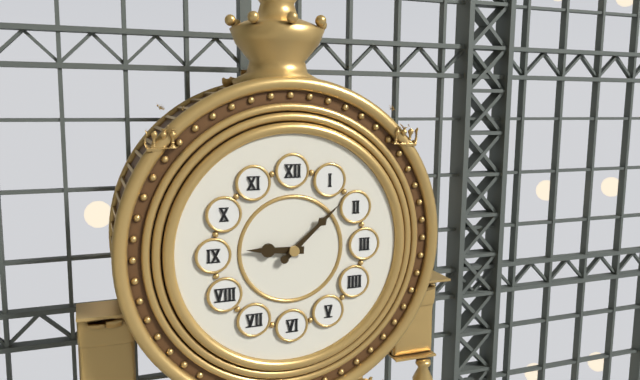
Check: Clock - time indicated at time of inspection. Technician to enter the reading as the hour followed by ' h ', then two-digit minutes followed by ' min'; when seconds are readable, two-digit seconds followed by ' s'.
9 h 08 min
